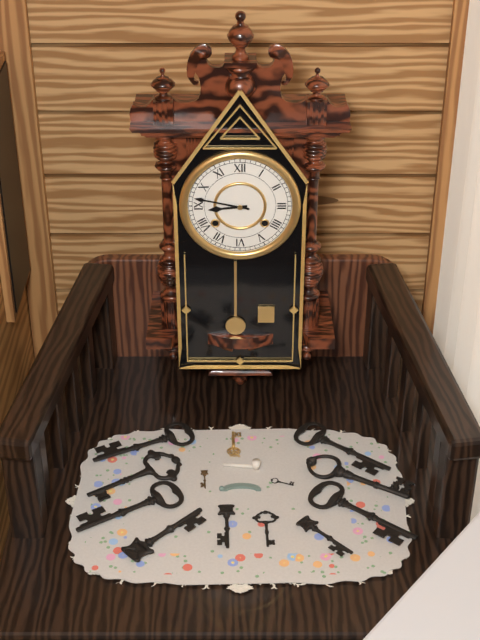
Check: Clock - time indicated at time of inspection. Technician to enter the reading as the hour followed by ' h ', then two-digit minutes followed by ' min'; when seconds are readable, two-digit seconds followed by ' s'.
8 h 47 min
